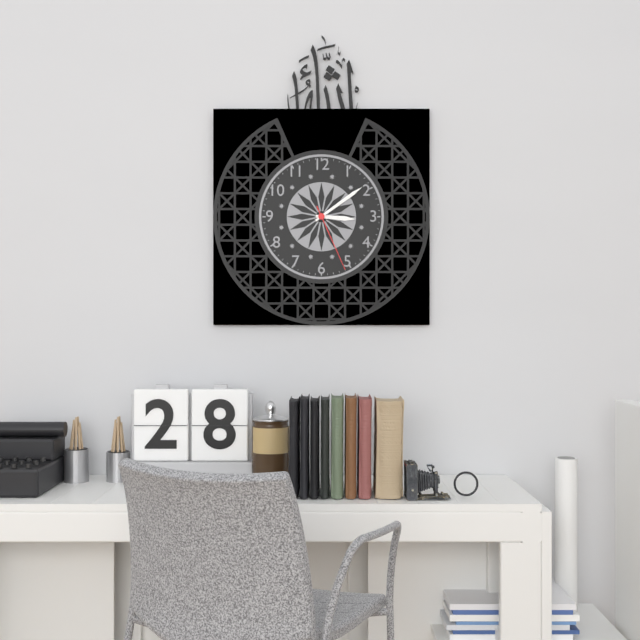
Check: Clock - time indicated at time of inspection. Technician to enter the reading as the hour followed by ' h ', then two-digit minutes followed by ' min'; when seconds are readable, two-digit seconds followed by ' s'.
3 h 09 min 26 s
